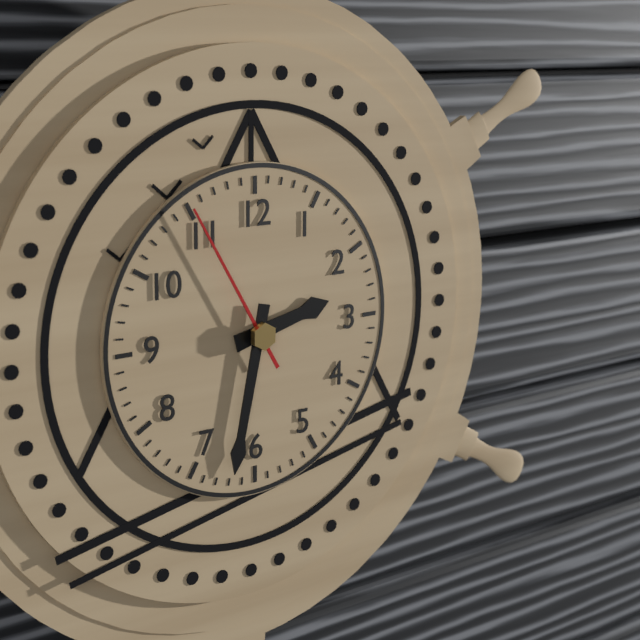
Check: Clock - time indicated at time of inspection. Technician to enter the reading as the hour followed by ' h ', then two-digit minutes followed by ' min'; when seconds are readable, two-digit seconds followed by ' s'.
2 h 32 min 55 s
